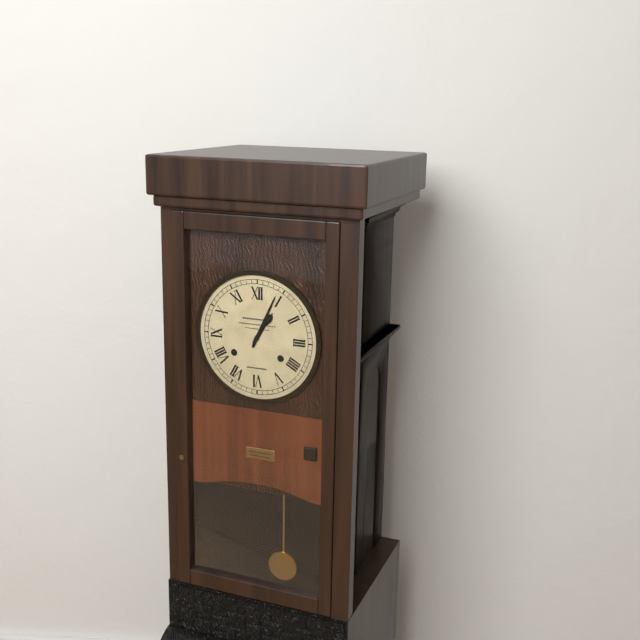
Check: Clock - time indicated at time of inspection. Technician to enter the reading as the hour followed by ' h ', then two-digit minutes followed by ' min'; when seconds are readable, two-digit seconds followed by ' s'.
1 h 04 min
